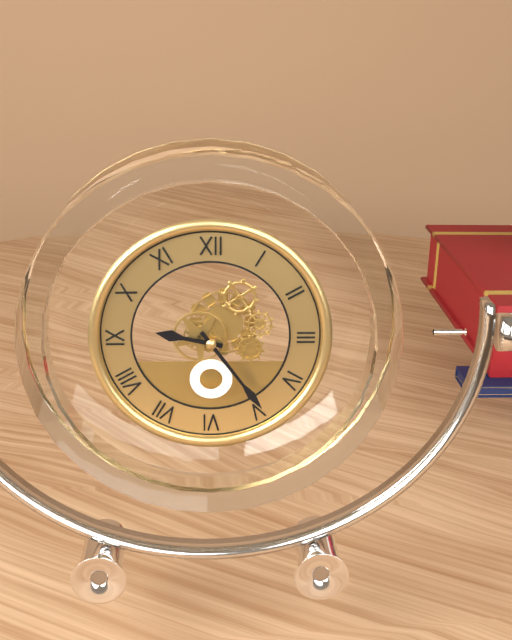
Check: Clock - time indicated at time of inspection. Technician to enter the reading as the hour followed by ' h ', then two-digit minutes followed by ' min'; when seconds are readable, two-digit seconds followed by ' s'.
9 h 24 min
